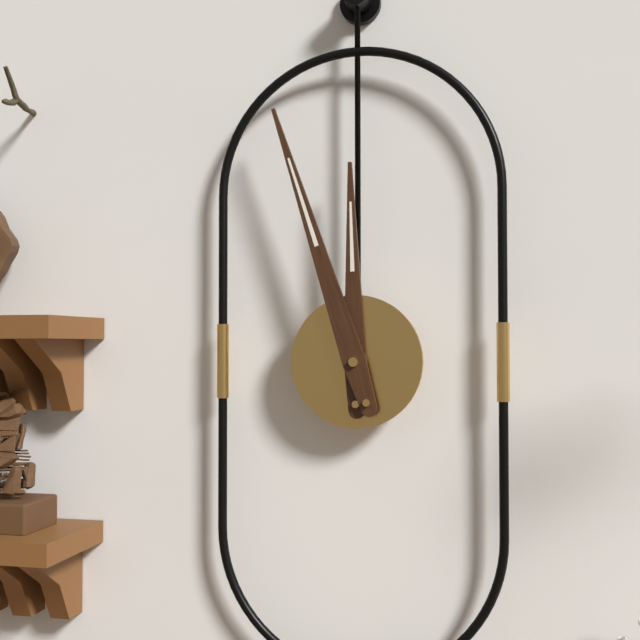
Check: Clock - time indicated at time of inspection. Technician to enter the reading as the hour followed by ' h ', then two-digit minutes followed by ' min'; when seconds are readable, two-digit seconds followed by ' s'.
11 h 57 min
